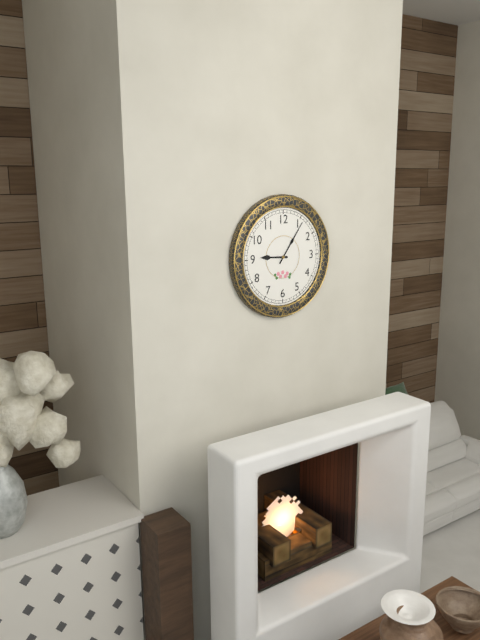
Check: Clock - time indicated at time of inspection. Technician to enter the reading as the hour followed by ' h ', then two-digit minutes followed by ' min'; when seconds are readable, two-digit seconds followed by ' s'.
9 h 06 min
